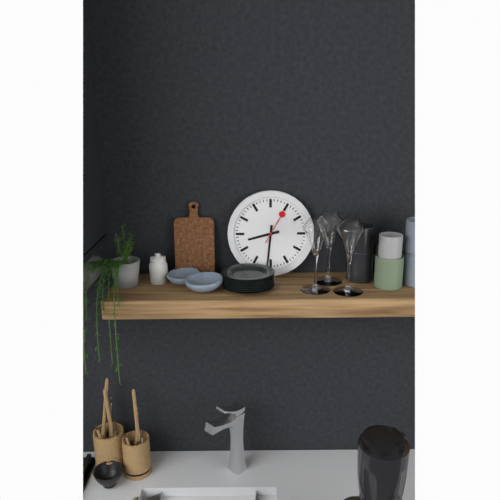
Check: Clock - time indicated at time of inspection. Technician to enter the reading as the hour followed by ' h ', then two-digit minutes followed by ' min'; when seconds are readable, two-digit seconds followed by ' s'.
8 h 31 min
